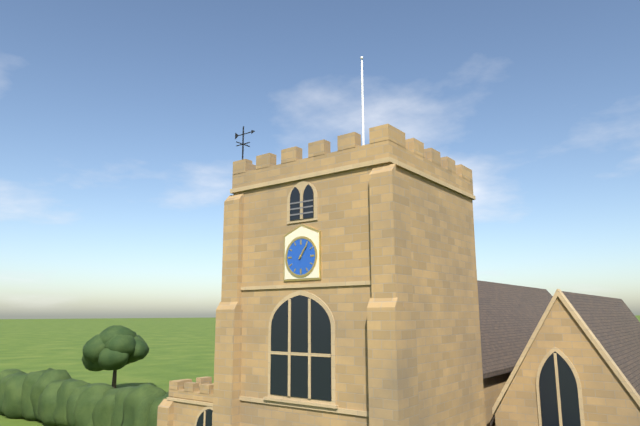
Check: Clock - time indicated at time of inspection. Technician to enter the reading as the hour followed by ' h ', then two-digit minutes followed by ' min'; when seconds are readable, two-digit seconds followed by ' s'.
1 h 06 min
